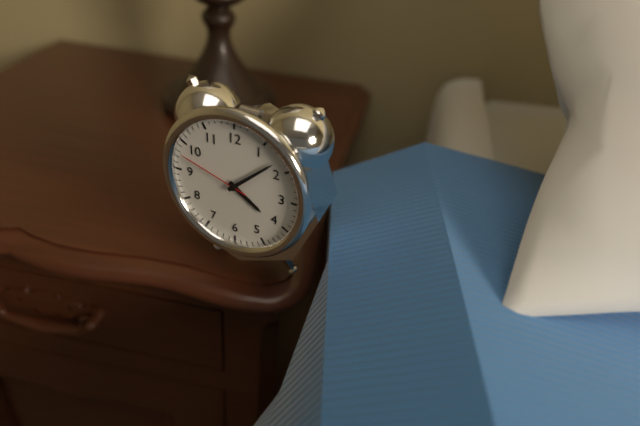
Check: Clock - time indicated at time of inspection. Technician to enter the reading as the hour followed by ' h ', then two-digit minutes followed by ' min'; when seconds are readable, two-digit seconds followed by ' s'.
4 h 08 min 48 s
